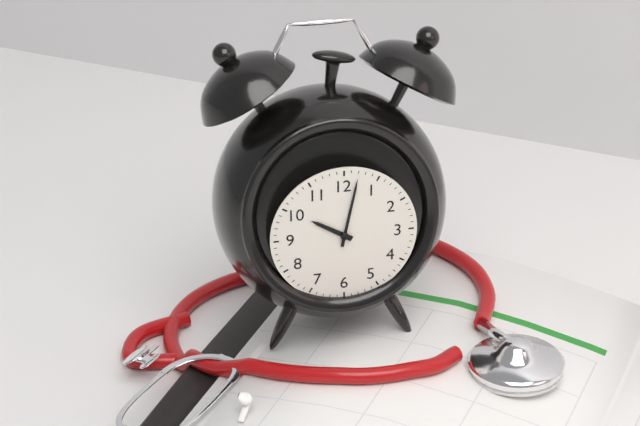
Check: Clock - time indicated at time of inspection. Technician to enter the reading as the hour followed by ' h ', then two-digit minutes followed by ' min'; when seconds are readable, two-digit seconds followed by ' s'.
10 h 02 min
